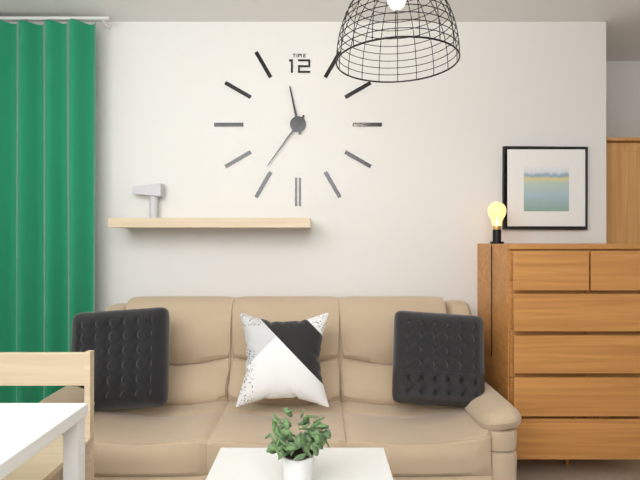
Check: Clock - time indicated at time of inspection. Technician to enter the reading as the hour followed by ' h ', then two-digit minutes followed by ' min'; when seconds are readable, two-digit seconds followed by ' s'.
11 h 36 min
